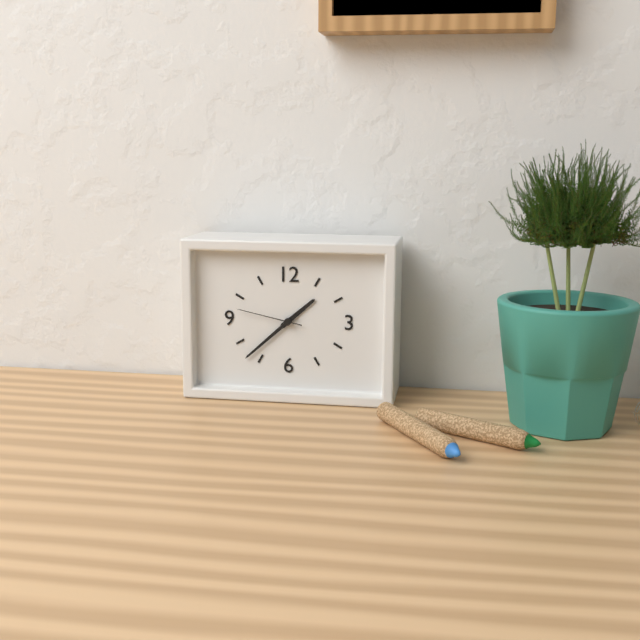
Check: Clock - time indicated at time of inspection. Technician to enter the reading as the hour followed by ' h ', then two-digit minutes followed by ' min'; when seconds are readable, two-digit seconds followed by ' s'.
1 h 38 min 47 s
